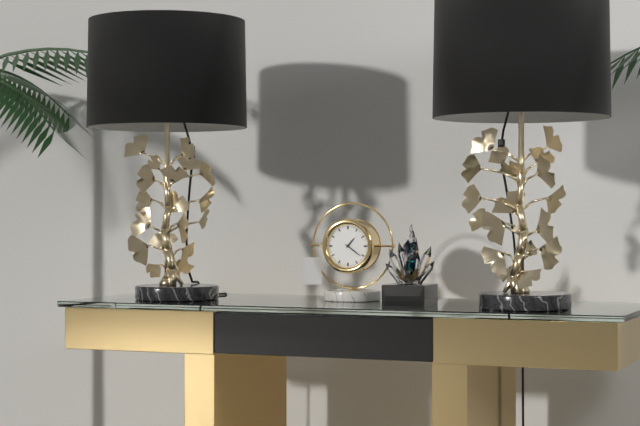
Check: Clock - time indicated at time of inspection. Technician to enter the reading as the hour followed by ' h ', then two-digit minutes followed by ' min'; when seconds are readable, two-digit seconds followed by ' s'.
1 h 21 min
